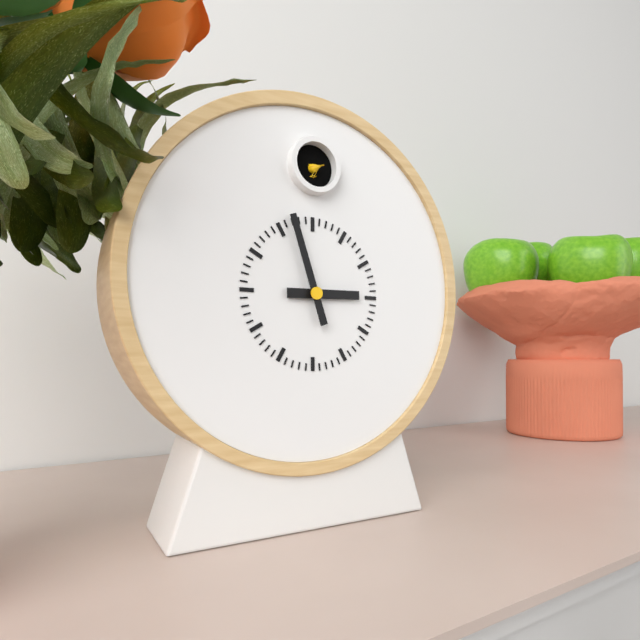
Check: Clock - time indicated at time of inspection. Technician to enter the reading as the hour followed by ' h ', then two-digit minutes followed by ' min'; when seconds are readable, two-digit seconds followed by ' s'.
2 h 57 min
